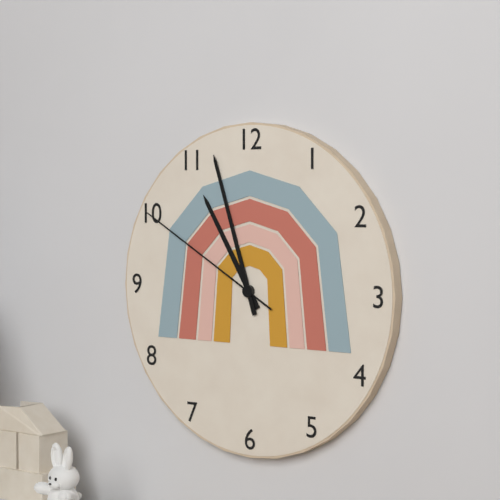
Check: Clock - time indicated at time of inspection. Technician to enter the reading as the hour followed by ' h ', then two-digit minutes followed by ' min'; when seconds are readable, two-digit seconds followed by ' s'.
10 h 57 min 50 s
